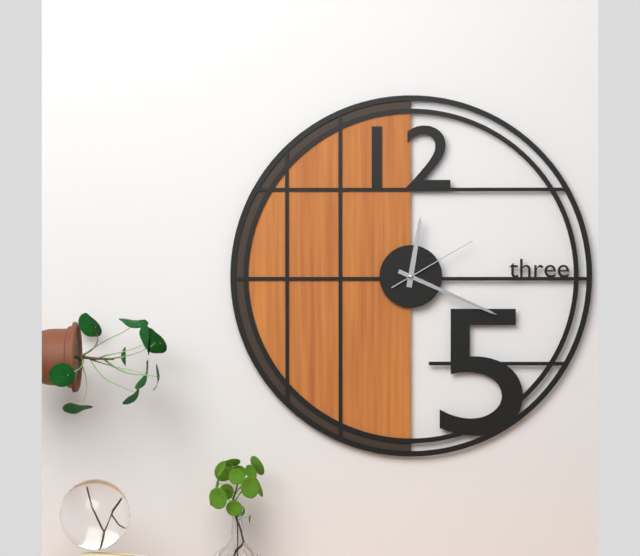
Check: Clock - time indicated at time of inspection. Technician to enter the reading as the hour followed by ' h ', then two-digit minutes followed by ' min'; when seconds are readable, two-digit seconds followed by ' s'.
12 h 19 min 10 s
